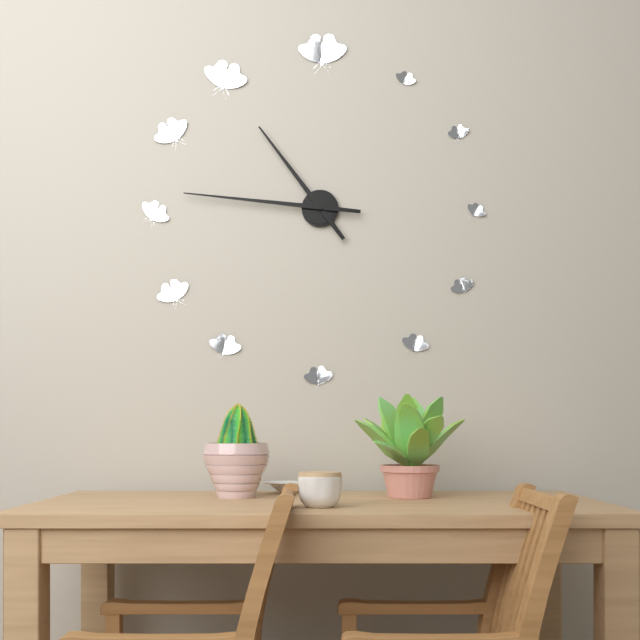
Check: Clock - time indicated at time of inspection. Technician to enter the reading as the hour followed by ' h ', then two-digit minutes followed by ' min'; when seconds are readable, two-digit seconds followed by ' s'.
10 h 46 min
